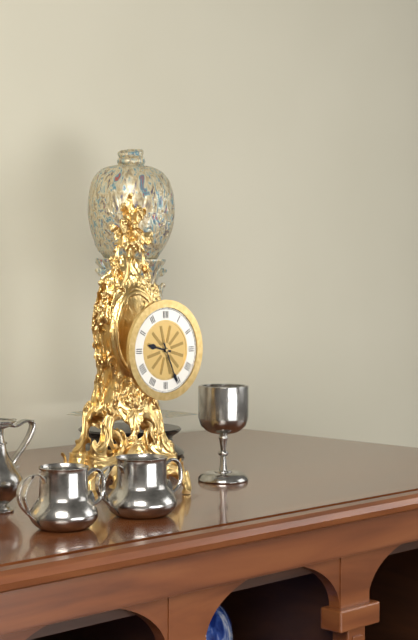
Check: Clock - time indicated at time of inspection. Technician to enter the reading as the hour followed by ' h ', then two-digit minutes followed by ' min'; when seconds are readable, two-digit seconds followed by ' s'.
9 h 26 min
